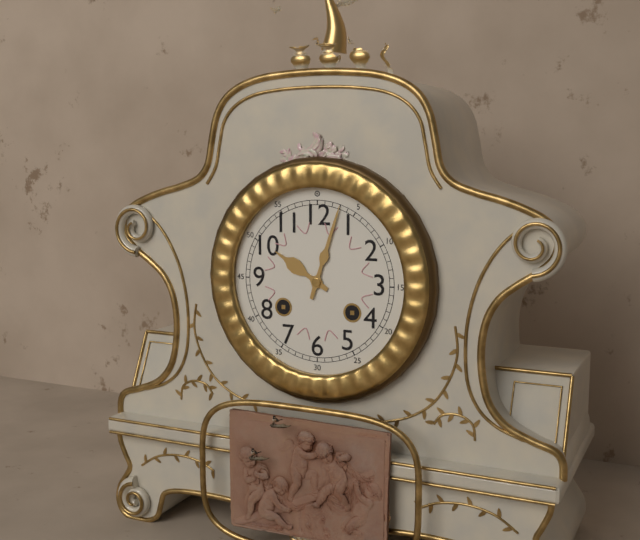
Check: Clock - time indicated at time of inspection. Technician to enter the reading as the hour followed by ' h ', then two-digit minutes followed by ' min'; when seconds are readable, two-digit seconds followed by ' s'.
10 h 03 min
